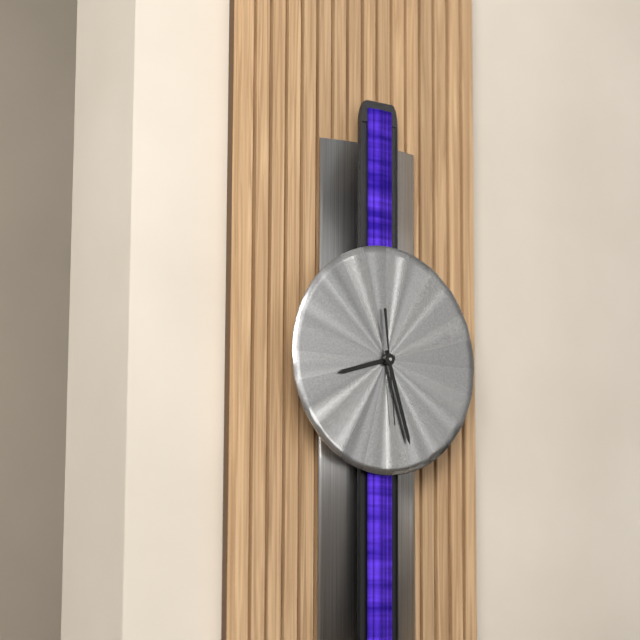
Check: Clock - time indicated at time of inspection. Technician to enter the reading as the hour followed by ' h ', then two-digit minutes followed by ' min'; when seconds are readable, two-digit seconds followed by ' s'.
8 h 27 min 29 s
